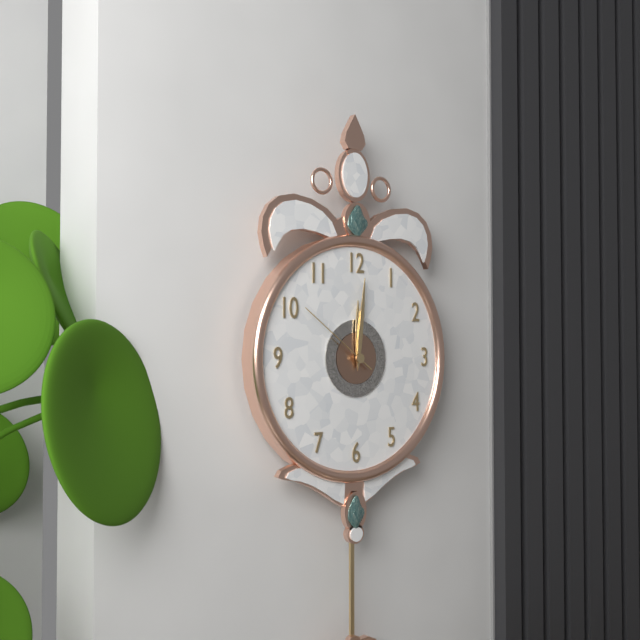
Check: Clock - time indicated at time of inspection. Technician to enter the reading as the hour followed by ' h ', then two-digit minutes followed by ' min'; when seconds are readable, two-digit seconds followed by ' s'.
12 h 01 min 51 s
